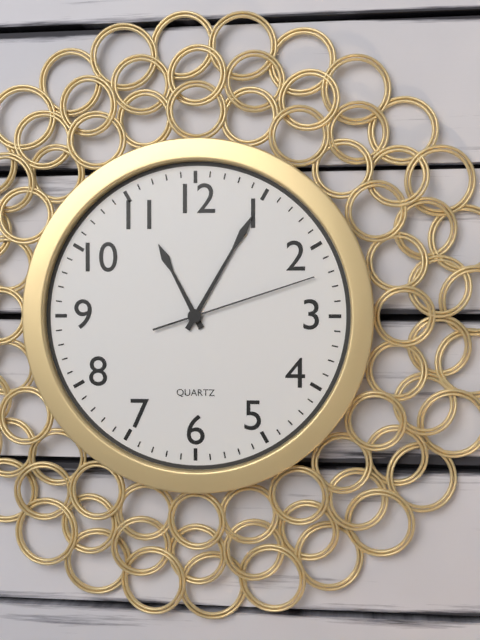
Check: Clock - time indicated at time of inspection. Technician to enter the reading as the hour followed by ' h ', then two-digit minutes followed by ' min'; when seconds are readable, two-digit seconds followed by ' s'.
11 h 05 min 12 s
